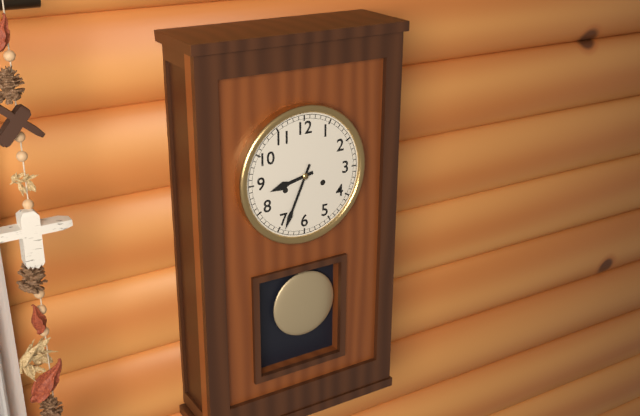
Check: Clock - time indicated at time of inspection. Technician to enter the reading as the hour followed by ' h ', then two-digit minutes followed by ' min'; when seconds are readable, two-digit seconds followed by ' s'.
8 h 34 min
